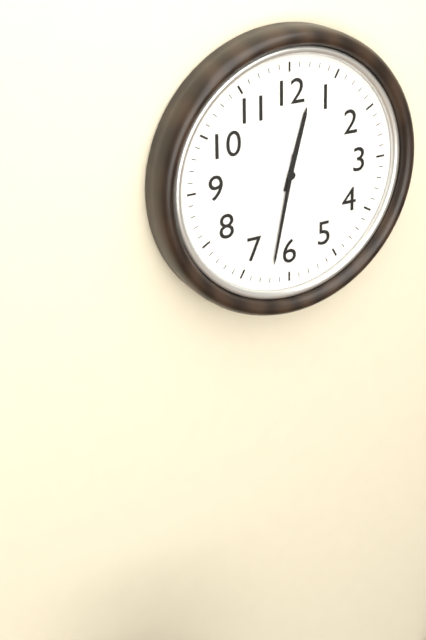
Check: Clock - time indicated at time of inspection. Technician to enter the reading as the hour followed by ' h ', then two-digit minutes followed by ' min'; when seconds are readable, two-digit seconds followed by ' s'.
12 h 32 min
